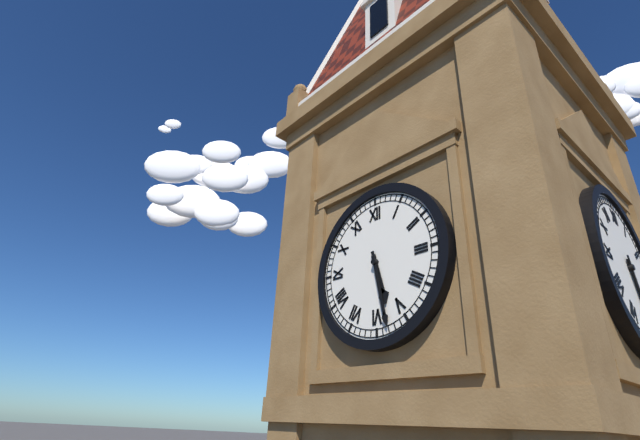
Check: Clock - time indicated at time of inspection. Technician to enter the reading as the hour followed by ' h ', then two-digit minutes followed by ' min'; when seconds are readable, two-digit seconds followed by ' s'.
5 h 28 min
